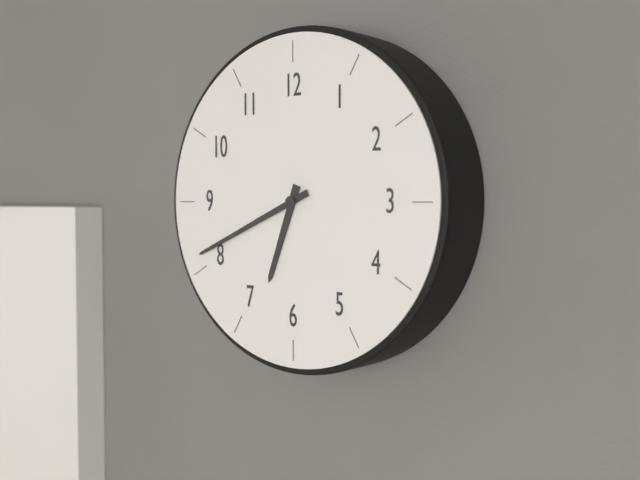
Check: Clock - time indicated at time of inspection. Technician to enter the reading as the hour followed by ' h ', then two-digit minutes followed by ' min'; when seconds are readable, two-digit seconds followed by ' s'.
6 h 41 min
